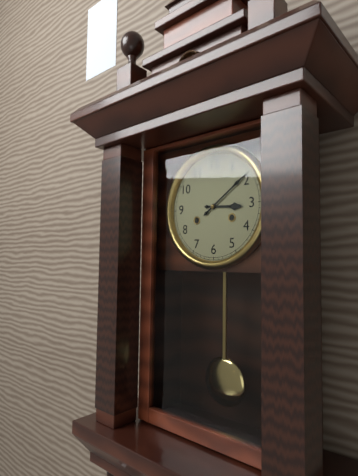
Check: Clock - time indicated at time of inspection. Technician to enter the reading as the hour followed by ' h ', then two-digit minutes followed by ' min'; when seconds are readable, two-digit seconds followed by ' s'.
3 h 09 min
